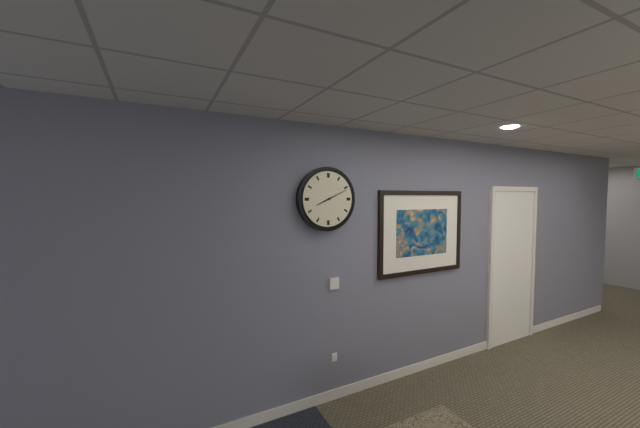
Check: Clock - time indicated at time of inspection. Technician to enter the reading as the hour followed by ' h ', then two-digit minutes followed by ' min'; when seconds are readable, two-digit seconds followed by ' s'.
8 h 11 min
